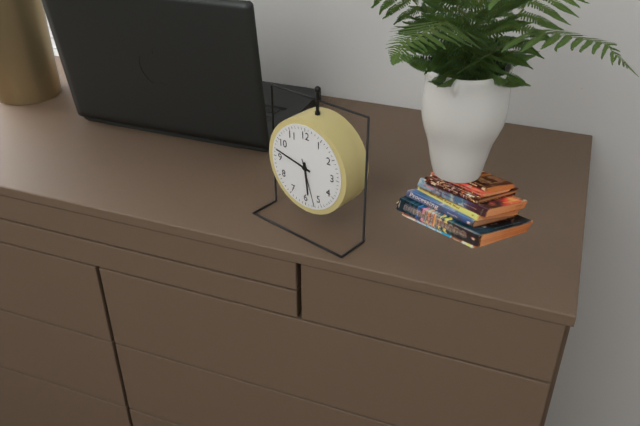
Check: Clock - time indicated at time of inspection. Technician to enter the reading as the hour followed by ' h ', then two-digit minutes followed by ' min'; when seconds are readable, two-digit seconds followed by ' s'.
5 h 47 min 27 s
